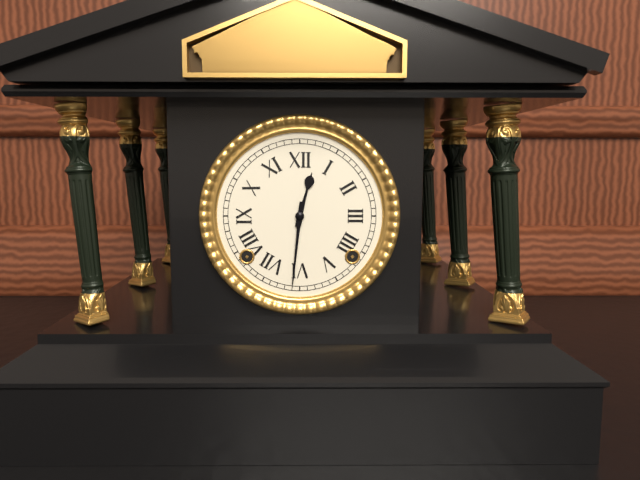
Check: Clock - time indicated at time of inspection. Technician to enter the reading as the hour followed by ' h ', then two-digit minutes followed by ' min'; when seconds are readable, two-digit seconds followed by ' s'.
12 h 31 min
